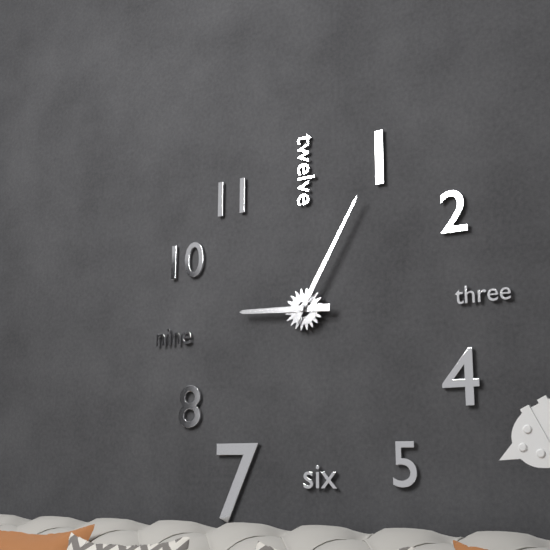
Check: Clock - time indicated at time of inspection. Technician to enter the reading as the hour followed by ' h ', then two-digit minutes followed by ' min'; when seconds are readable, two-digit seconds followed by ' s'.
9 h 05 min
